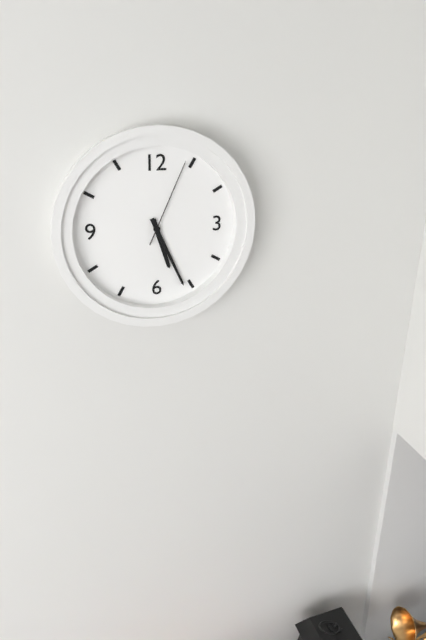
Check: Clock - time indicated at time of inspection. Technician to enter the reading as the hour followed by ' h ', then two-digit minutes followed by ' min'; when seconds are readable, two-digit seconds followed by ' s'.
5 h 26 min 04 s
